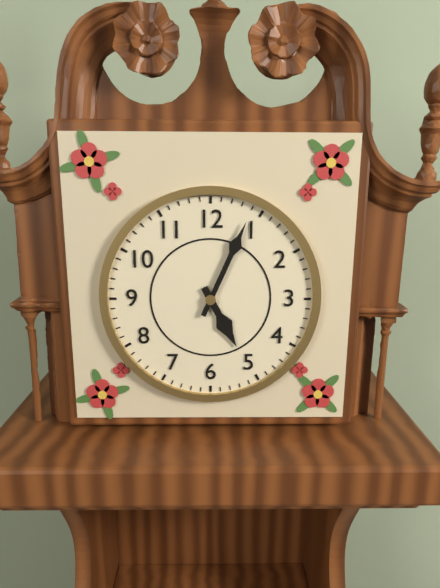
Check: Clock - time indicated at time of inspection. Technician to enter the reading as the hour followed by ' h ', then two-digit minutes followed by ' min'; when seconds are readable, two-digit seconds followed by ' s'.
5 h 04 min
